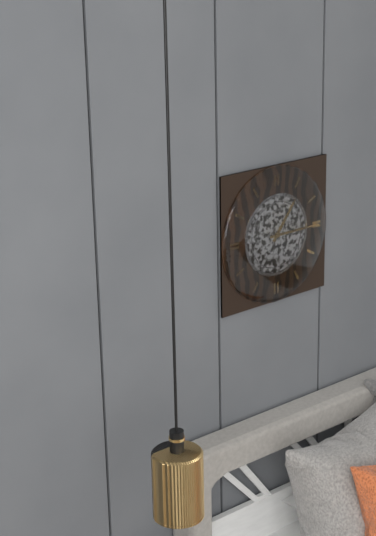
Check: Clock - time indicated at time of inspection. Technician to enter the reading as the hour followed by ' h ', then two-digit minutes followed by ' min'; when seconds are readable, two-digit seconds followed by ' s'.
1 h 15 min
